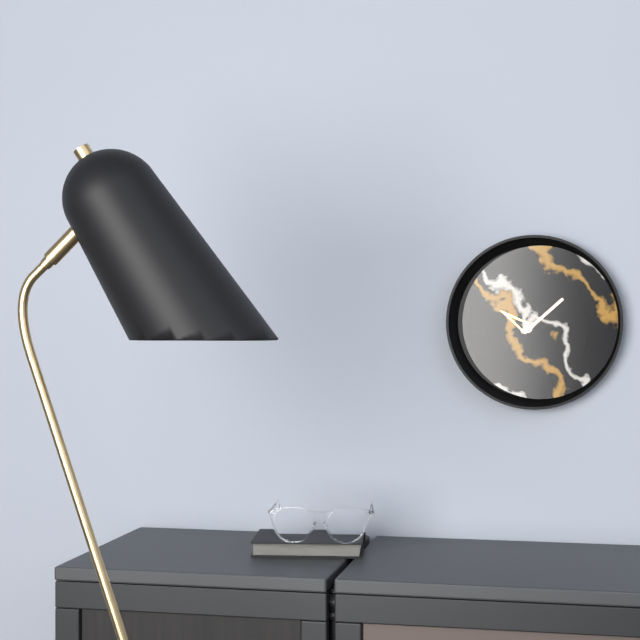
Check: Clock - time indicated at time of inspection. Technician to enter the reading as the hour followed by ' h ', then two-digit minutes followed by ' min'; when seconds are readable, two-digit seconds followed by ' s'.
10 h 08 min
